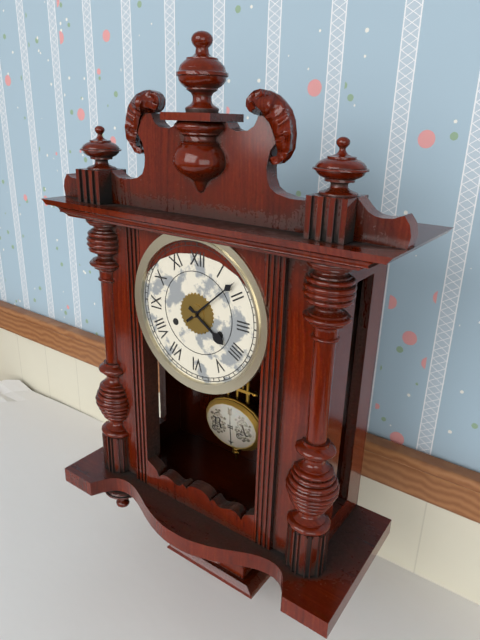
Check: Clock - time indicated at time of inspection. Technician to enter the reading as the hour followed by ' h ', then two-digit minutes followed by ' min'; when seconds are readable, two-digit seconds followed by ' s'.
4 h 08 min
